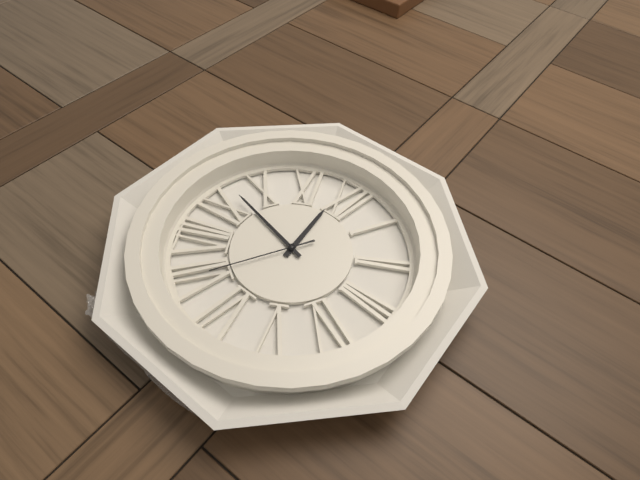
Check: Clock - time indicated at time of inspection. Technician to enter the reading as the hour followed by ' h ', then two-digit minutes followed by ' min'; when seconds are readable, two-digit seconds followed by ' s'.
11 h 47 min 35 s
